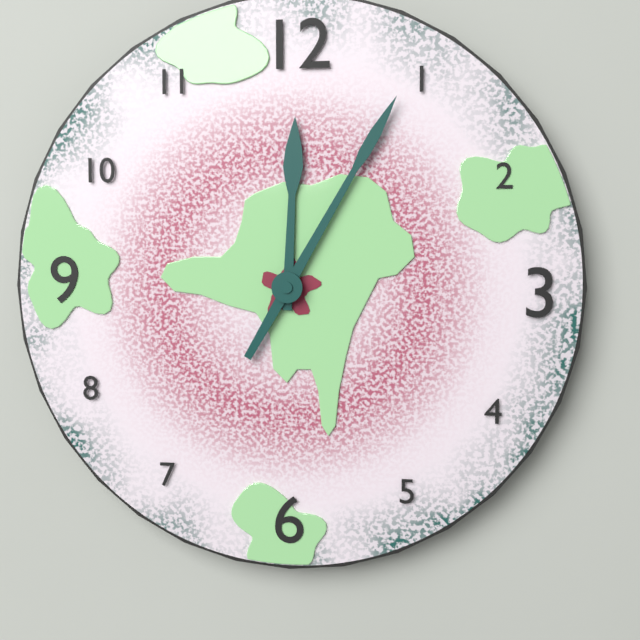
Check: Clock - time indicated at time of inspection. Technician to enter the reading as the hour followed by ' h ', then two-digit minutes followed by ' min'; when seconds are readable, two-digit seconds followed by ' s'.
12 h 05 min
